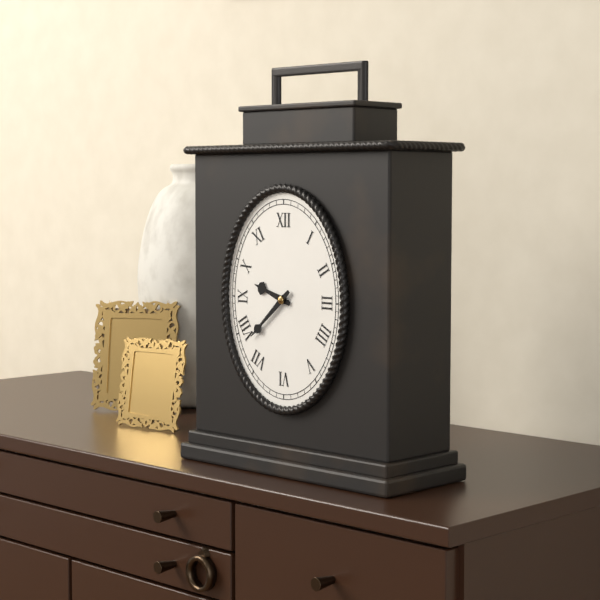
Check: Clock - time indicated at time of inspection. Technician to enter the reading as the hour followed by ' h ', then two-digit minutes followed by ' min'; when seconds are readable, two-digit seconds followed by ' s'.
9 h 38 min
